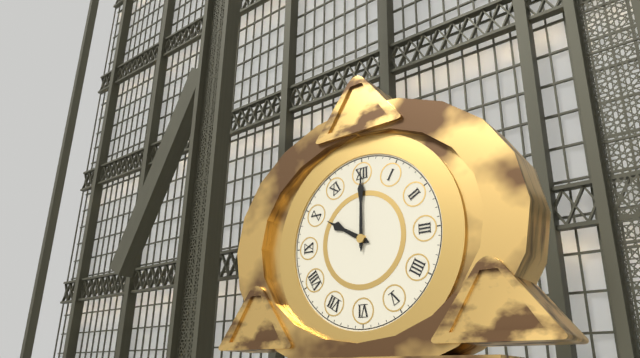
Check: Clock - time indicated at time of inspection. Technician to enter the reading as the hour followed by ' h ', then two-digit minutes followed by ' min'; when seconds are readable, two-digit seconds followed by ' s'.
10 h 00 min
